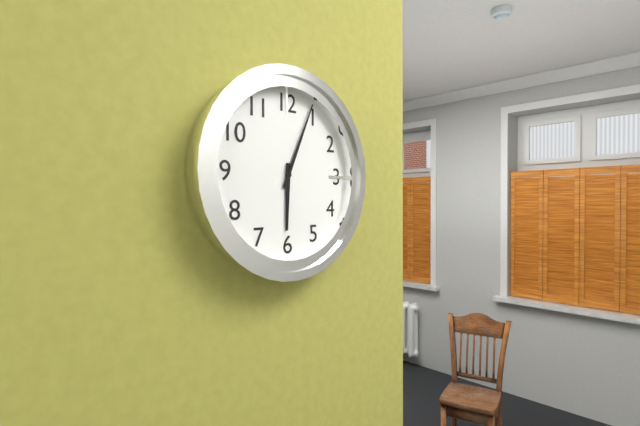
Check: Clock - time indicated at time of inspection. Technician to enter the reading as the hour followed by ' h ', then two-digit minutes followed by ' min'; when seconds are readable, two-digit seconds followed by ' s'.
6 h 04 min
